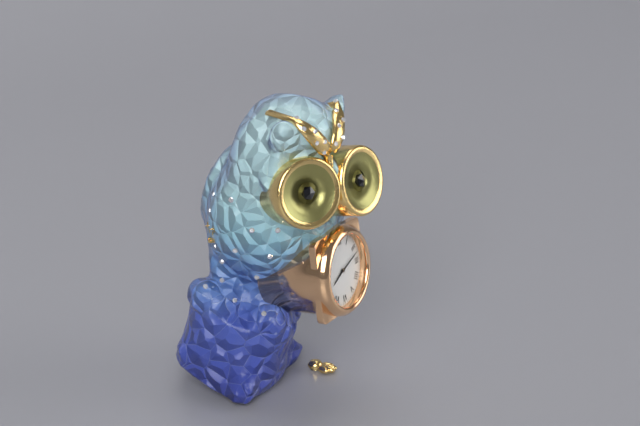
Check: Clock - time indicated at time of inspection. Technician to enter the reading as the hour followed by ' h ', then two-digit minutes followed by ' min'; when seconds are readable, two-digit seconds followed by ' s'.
8 h 12 min
